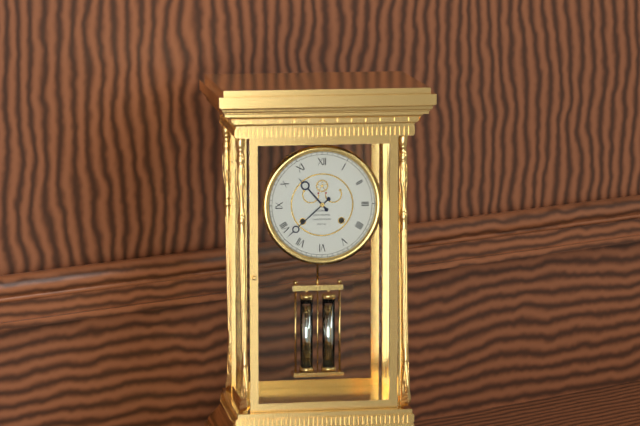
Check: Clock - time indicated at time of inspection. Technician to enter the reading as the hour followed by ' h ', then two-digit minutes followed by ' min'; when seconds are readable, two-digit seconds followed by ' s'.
10 h 38 min
